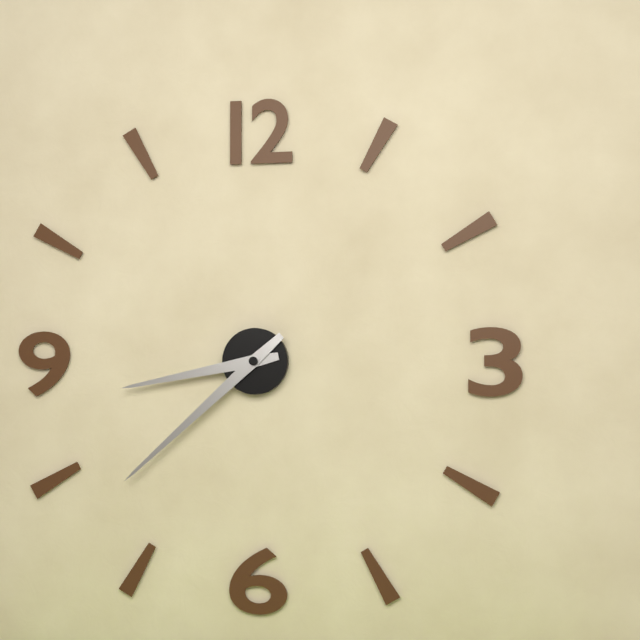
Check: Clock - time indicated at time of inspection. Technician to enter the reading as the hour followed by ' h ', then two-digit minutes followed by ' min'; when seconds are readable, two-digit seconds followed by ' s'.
8 h 38 min
